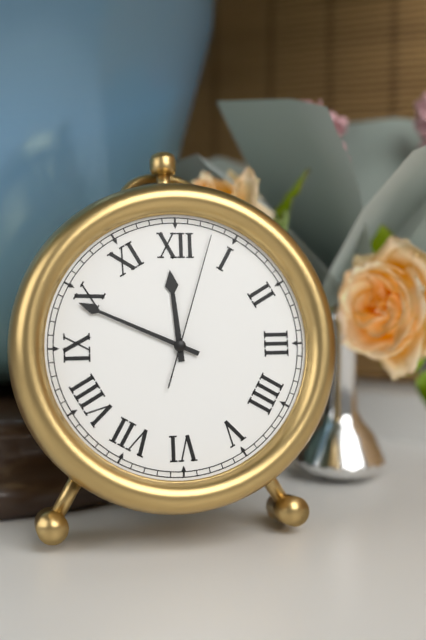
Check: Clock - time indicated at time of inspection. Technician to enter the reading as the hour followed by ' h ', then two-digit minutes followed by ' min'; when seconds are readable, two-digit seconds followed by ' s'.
11 h 49 min 03 s
